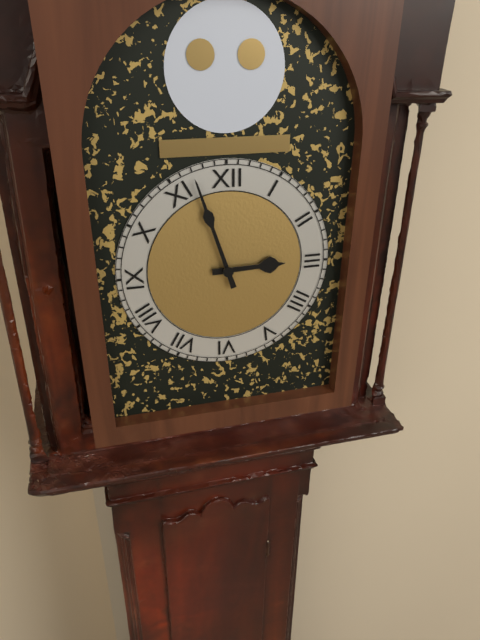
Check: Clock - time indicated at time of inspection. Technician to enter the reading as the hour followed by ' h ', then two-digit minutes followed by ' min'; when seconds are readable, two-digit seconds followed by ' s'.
2 h 57 min
